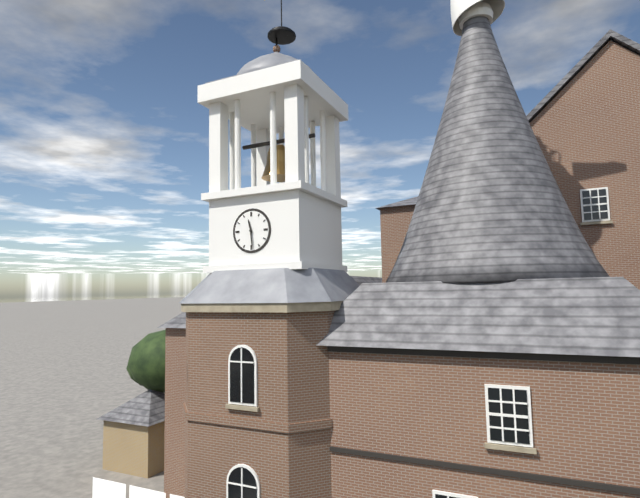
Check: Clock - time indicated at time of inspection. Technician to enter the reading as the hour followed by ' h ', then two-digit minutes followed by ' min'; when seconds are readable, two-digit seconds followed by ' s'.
11 h 29 min
